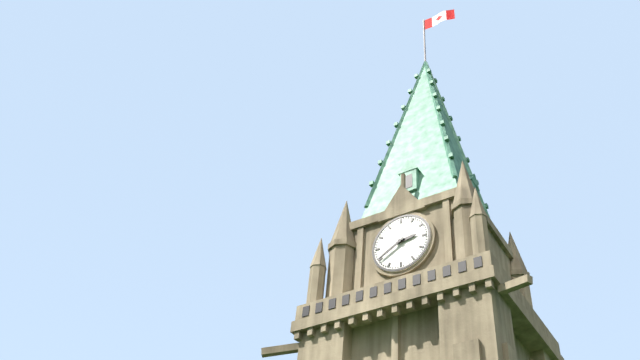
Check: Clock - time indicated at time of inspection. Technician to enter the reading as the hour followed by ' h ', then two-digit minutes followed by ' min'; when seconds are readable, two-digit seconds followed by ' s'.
2 h 40 min
